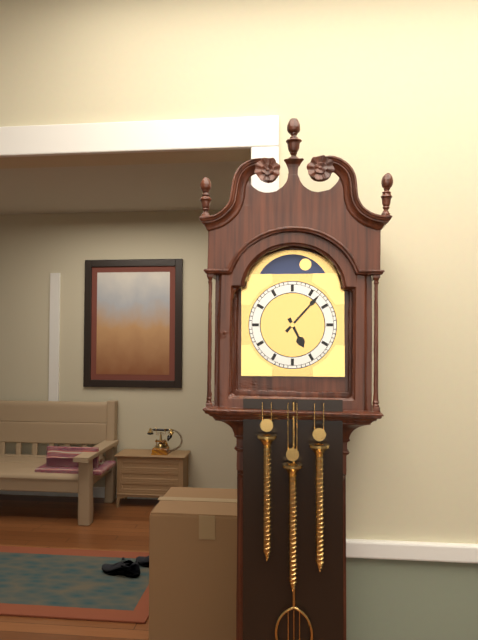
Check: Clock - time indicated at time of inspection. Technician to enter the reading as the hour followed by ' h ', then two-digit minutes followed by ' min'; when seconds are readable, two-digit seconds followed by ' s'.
5 h 07 min
